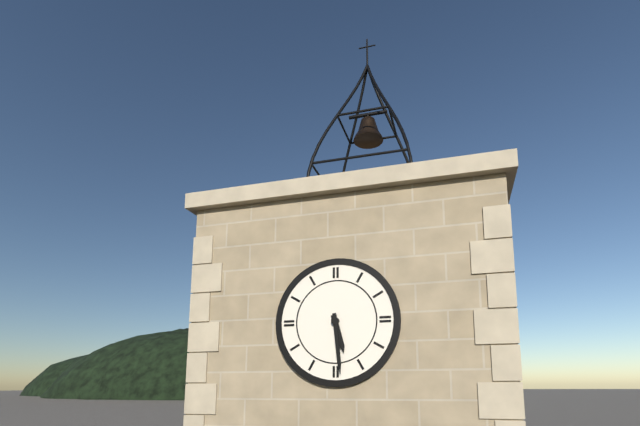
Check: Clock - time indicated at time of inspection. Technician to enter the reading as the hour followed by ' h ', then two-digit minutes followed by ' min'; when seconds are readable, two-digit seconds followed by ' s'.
5 h 29 min
